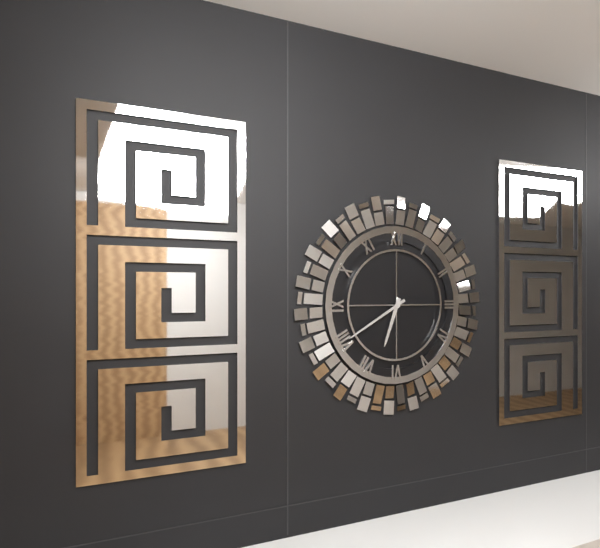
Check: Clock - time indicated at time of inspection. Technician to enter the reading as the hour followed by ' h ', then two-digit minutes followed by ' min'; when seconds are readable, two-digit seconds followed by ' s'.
6 h 40 min
